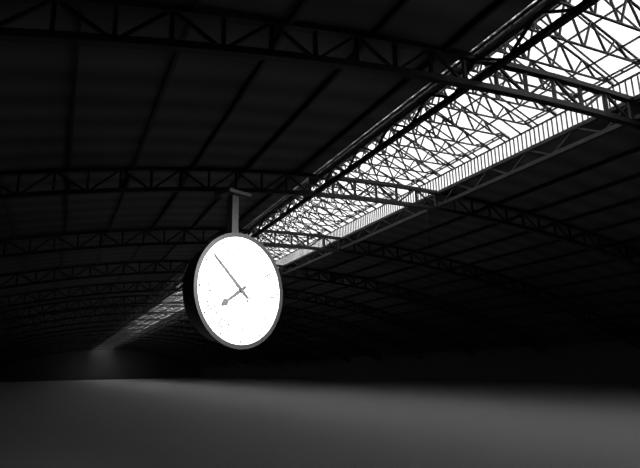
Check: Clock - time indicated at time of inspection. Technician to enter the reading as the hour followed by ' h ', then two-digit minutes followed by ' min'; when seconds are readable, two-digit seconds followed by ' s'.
7 h 52 min
